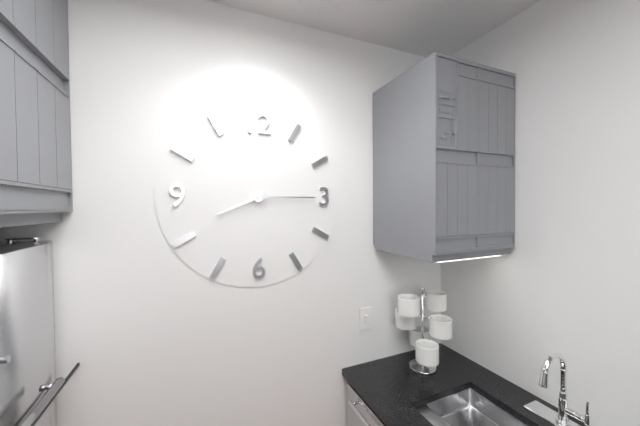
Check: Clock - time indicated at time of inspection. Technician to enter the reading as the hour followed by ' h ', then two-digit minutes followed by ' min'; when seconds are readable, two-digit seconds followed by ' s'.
8 h 15 min
